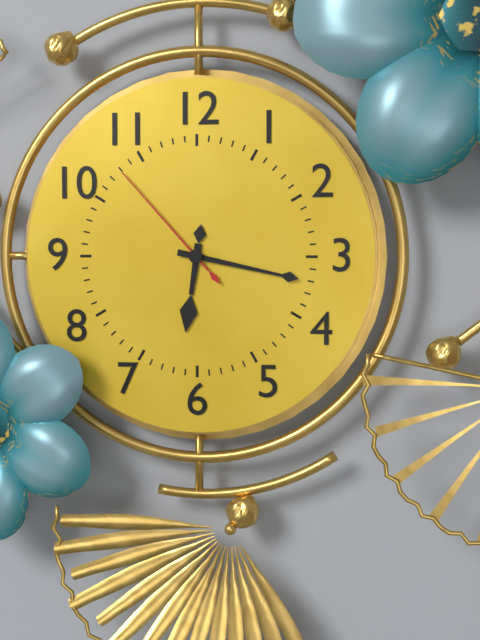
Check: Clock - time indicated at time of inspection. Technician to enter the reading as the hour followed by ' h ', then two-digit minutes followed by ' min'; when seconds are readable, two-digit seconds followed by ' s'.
6 h 17 min 53 s
